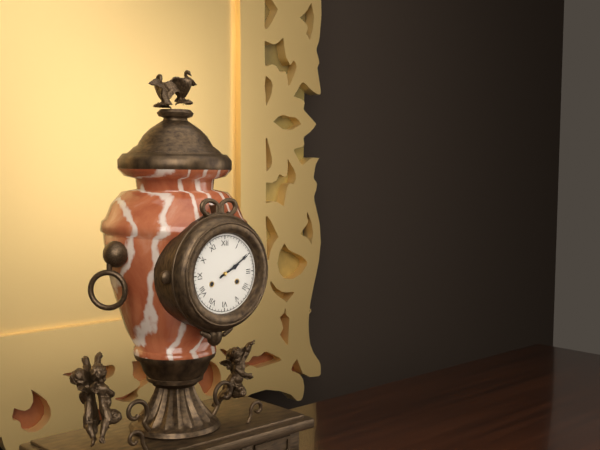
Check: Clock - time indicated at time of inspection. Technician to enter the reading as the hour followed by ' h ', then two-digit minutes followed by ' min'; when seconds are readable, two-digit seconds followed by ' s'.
2 h 10 min
